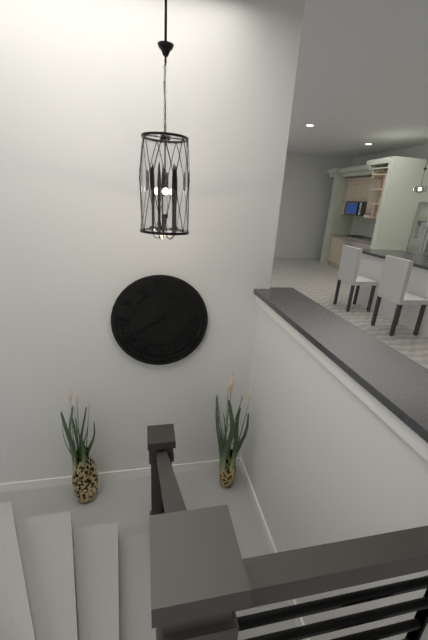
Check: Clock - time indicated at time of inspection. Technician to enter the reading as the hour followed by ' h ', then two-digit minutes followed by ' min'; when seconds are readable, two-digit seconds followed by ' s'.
8 h 00 min 07 s
